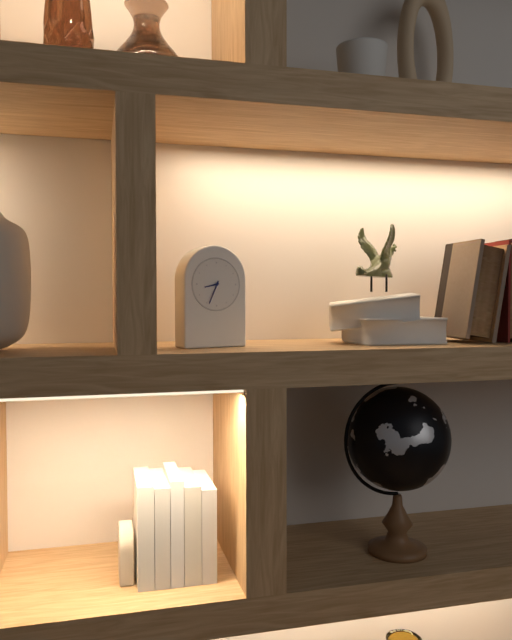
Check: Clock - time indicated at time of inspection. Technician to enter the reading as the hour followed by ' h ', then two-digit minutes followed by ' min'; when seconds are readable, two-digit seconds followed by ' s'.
8 h 34 min
